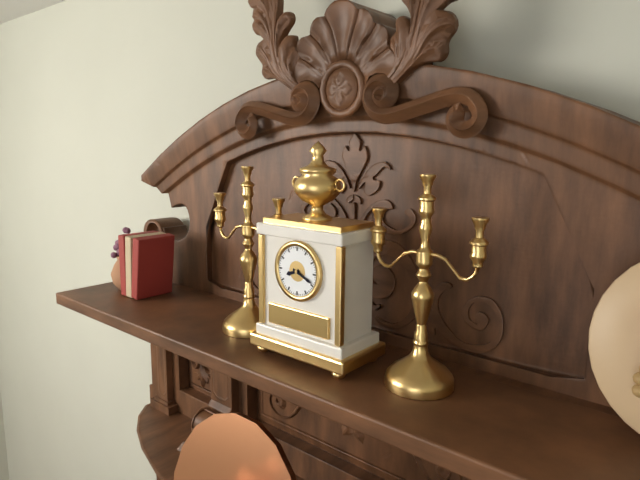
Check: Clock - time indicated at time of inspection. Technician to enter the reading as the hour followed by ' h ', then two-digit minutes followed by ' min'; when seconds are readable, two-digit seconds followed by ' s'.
8 h 19 min
